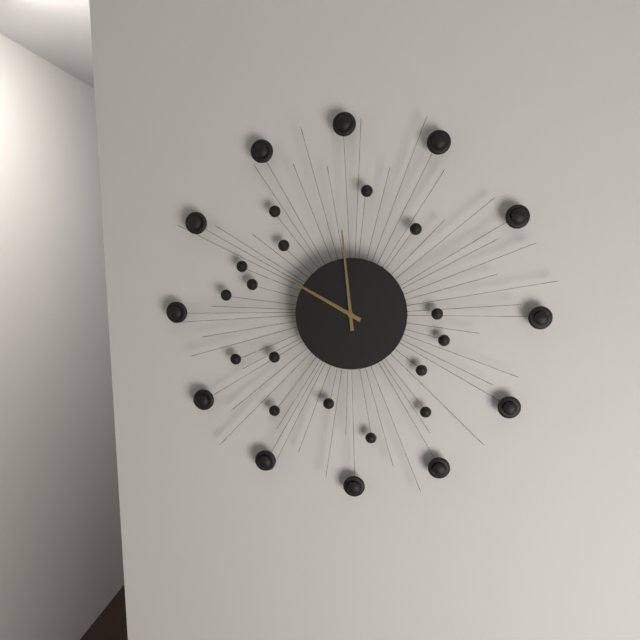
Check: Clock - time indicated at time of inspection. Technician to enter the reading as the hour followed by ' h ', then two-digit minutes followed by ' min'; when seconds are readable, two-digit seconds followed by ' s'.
9 h 59 min
